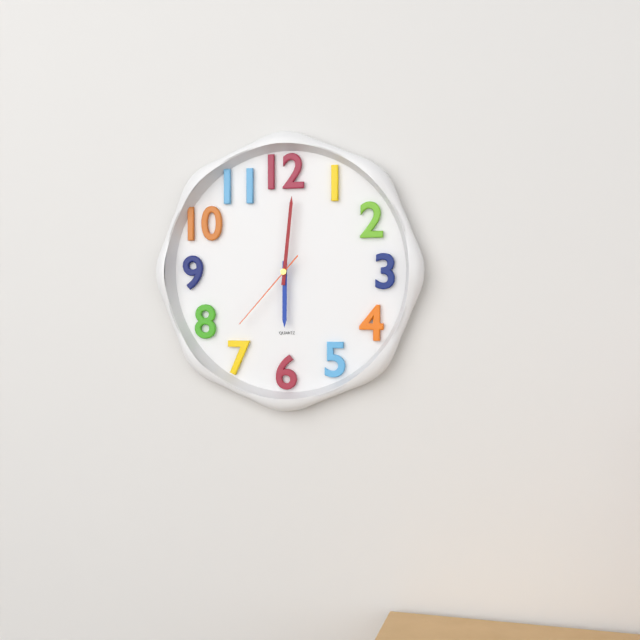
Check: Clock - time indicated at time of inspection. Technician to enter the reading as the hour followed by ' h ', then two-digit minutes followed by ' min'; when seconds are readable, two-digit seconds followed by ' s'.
6 h 01 min 37 s
